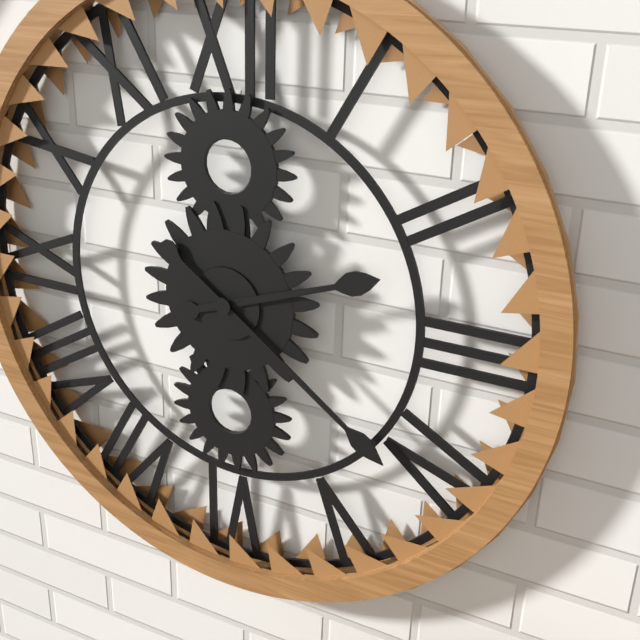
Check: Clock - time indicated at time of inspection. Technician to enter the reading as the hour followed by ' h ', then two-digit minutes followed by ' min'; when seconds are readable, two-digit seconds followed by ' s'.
2 h 21 min
